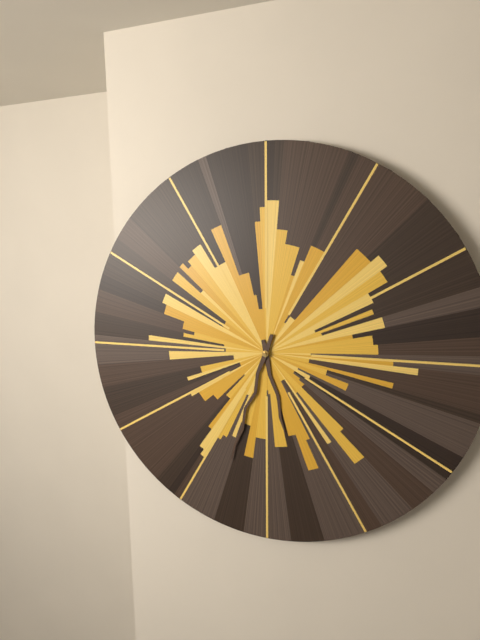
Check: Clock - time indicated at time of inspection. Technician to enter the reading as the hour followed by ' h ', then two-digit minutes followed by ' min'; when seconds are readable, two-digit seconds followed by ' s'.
5 h 33 min
